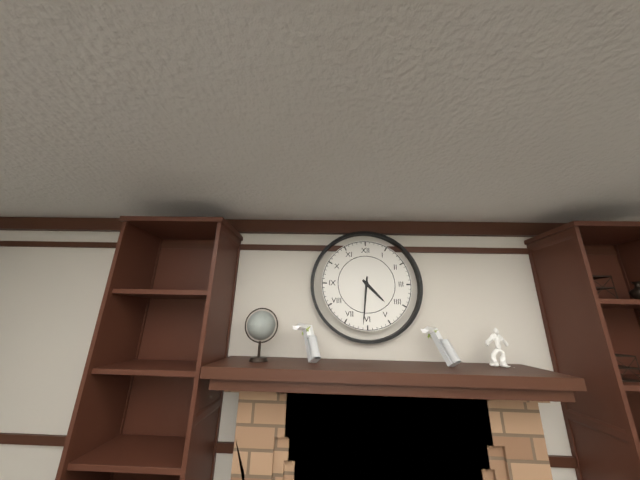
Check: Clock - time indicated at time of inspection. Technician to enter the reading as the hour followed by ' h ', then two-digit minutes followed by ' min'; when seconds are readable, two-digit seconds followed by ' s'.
4 h 31 min
